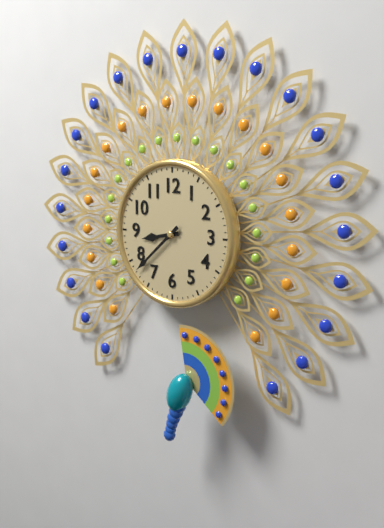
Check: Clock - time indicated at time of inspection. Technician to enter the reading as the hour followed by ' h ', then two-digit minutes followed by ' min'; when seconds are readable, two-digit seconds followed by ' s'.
8 h 38 min
